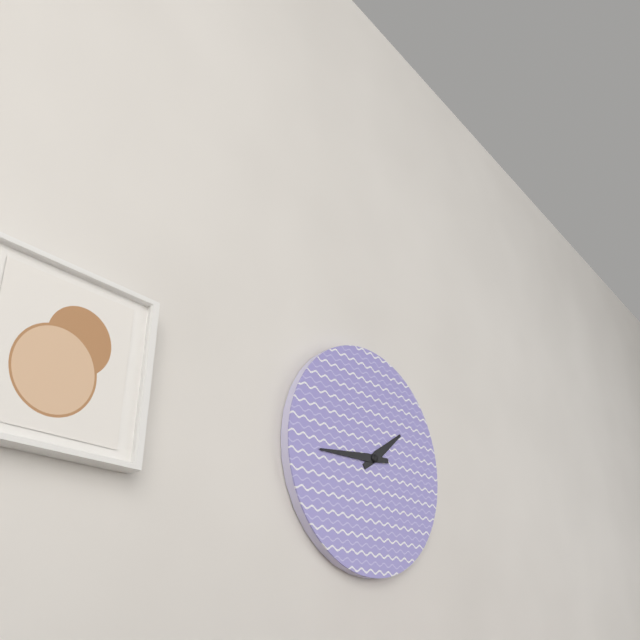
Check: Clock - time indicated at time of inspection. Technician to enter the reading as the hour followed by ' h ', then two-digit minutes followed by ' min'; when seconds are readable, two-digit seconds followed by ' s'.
1 h 44 min
